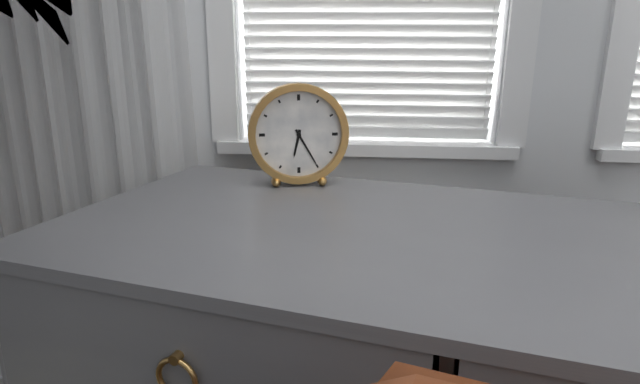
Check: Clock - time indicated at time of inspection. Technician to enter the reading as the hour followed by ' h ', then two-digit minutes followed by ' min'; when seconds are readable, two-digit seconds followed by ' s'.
6 h 25 min
